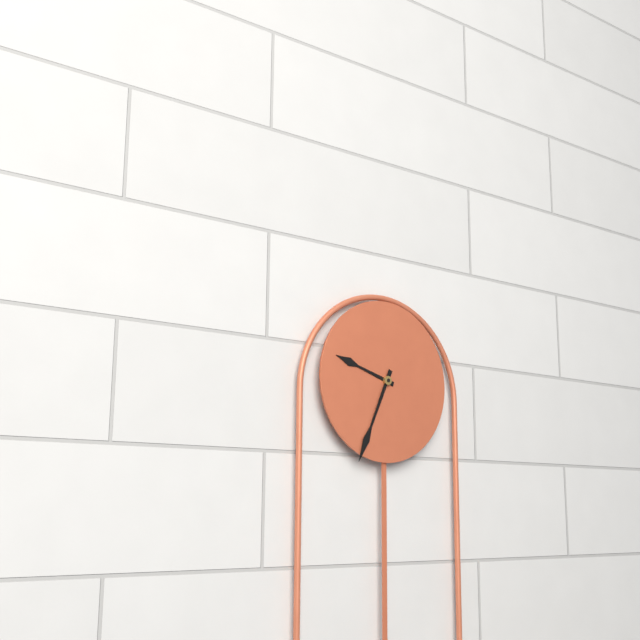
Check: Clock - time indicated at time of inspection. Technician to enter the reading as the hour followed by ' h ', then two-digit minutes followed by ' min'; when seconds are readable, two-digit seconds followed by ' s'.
9 h 34 min
